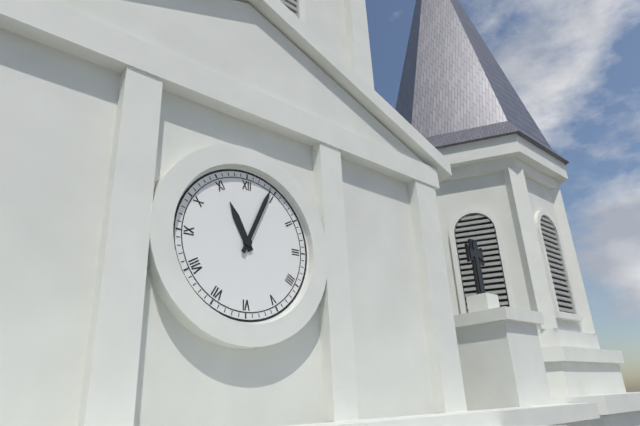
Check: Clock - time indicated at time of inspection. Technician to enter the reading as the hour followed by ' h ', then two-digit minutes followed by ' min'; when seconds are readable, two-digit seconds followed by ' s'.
11 h 04 min
